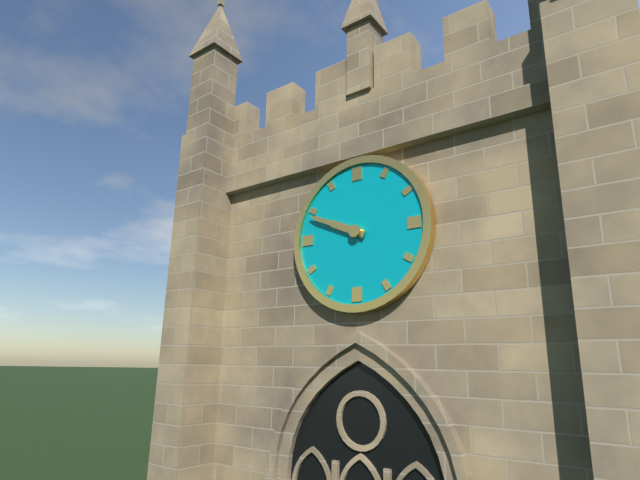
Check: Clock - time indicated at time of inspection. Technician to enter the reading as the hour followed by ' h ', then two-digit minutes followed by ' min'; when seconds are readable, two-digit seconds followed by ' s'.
9 h 49 min
